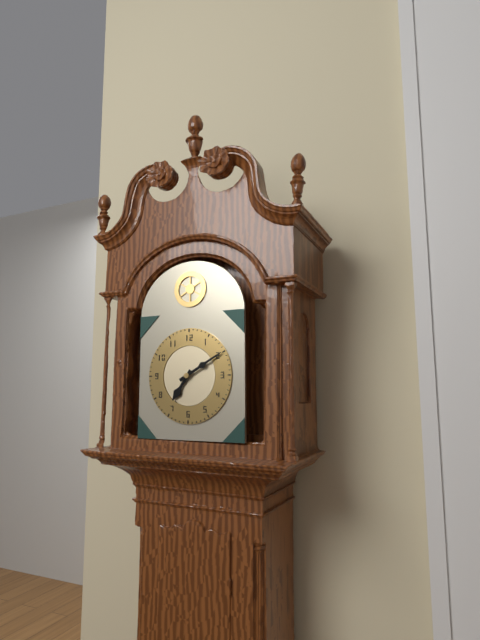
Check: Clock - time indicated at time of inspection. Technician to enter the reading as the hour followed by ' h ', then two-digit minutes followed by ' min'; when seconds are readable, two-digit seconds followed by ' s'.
7 h 10 min
